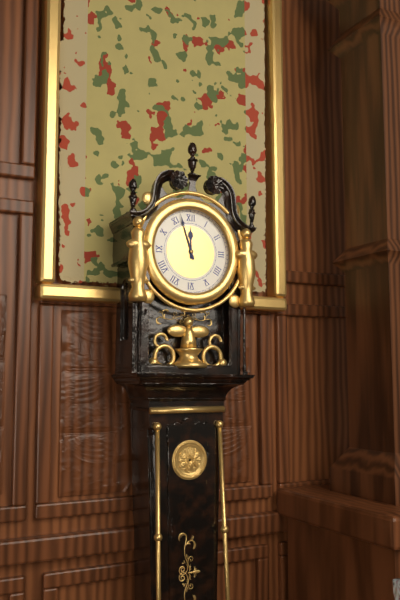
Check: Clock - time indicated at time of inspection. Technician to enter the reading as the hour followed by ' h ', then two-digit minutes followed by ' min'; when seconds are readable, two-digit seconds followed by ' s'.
11 h 57 min
